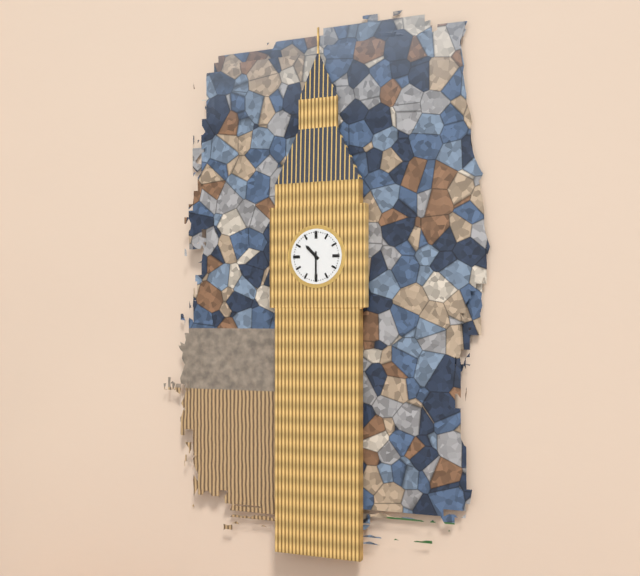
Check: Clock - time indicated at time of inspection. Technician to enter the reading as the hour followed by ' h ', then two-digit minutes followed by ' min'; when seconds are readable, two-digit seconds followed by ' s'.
10 h 30 min
